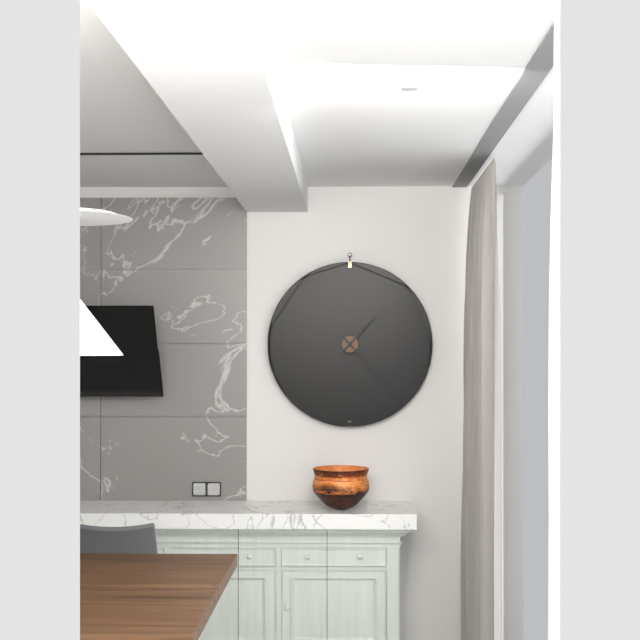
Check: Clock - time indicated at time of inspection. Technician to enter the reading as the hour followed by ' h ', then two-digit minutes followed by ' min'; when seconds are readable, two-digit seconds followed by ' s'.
1 h 23 min
